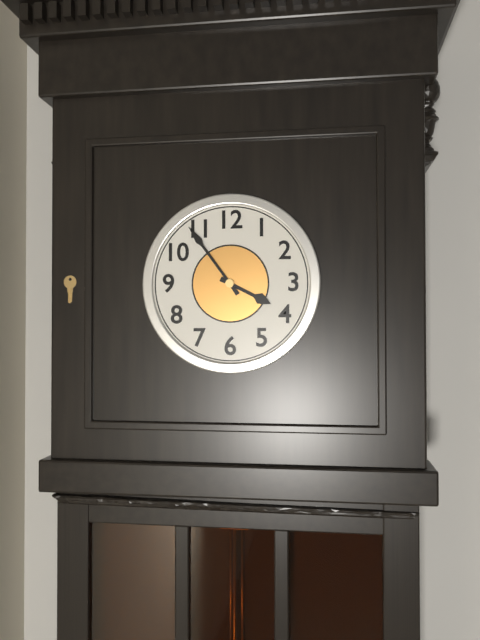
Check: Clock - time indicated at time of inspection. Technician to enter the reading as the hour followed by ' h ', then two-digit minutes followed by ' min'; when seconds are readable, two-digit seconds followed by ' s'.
3 h 54 min
